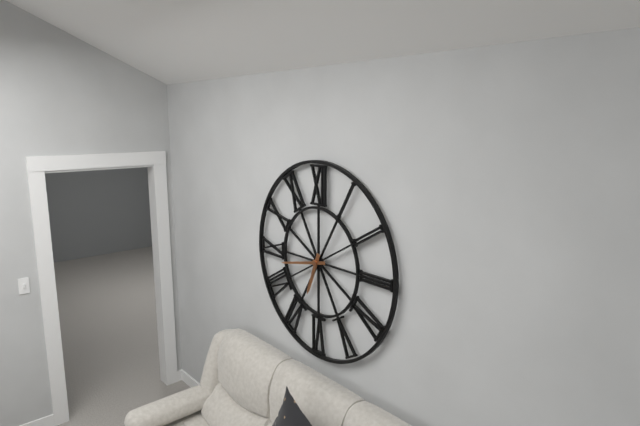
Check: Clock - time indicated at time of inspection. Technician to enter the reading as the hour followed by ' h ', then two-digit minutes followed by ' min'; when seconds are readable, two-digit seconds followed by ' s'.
6 h 43 min
